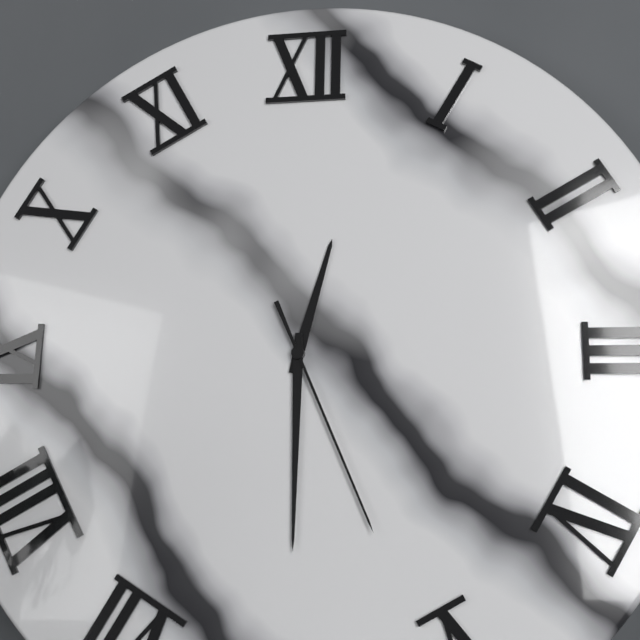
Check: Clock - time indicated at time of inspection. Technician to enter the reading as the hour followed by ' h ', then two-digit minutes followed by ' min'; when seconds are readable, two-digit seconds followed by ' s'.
12 h 30 min 26 s
